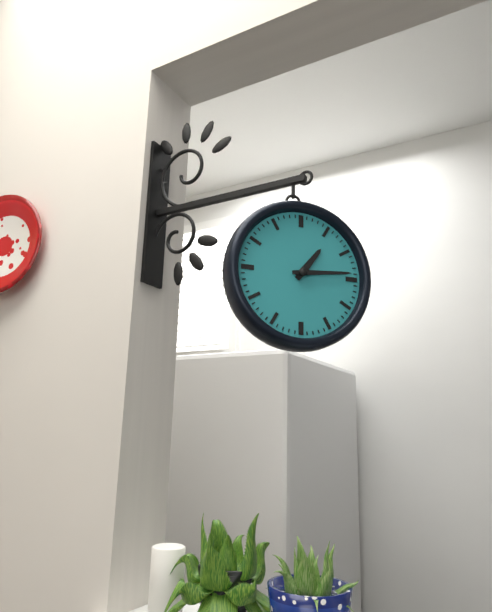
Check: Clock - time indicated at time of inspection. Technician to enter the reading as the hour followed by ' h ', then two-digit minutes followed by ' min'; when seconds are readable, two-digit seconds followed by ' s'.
1 h 14 min
